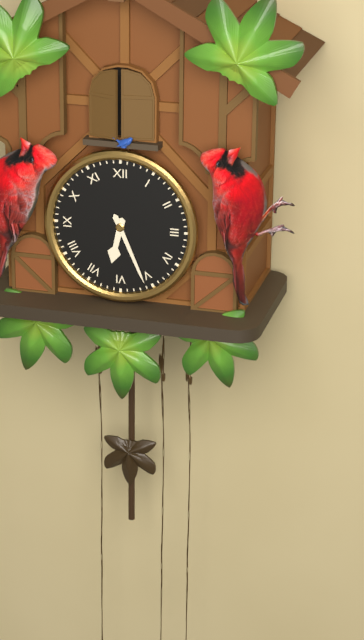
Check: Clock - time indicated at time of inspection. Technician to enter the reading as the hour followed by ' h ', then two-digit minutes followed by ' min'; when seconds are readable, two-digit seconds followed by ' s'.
6 h 26 min
